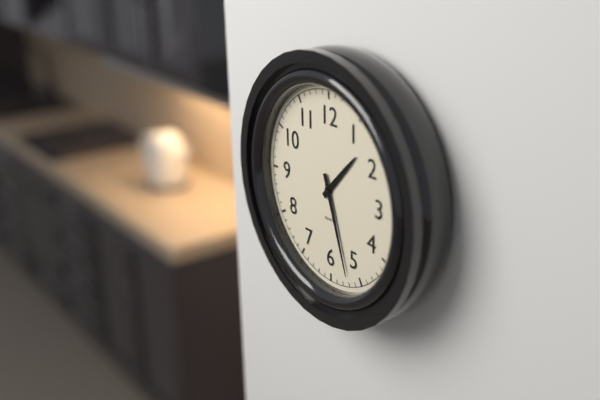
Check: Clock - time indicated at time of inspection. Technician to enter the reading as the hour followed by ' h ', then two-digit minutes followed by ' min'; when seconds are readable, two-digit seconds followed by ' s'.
1 h 27 min
